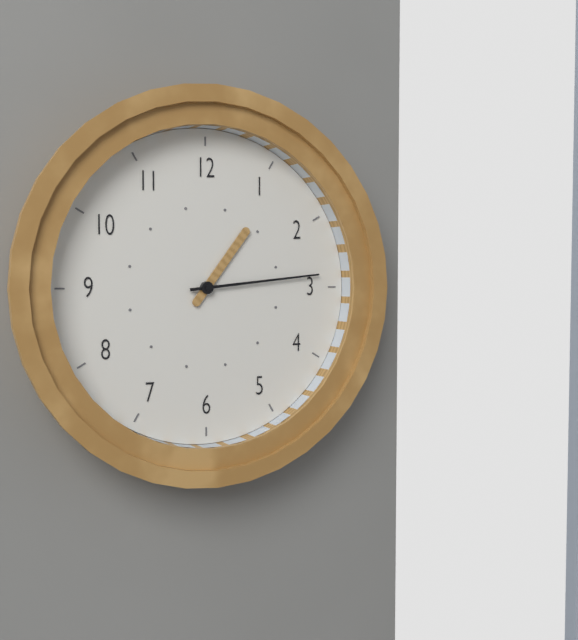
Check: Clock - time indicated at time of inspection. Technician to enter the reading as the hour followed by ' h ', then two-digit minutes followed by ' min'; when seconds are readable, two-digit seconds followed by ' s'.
1 h 14 min
